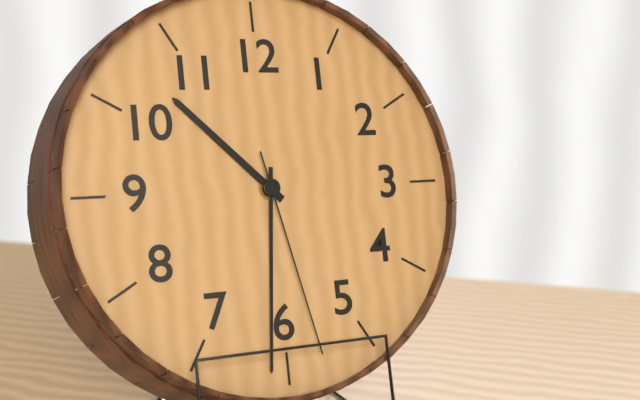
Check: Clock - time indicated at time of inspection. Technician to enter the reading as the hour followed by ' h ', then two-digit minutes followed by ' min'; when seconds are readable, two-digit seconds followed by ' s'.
10 h 31 min 28 s
